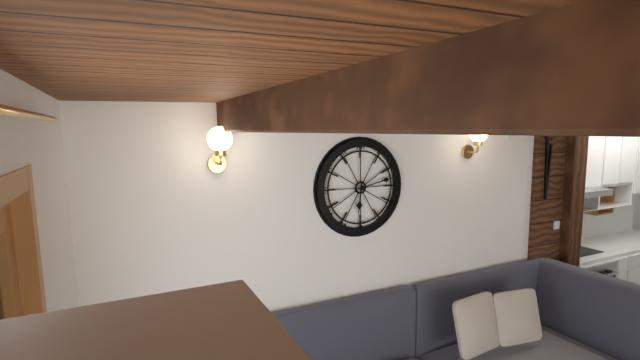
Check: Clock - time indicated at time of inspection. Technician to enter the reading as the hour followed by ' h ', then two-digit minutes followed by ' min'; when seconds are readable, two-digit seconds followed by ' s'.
6 h 13 min
